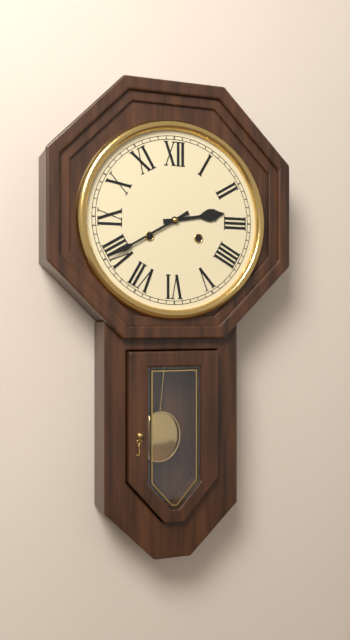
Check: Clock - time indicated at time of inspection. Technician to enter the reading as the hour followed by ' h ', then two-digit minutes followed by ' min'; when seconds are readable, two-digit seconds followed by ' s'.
2 h 40 min
